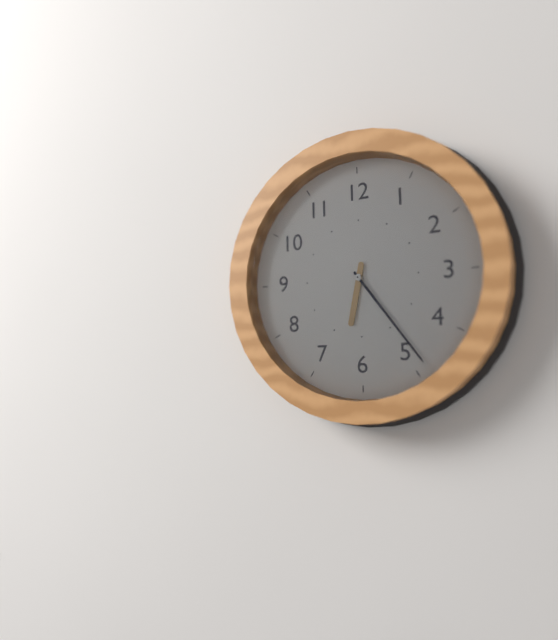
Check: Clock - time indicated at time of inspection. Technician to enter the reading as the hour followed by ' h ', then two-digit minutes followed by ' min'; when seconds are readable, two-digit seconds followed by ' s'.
6 h 24 min
